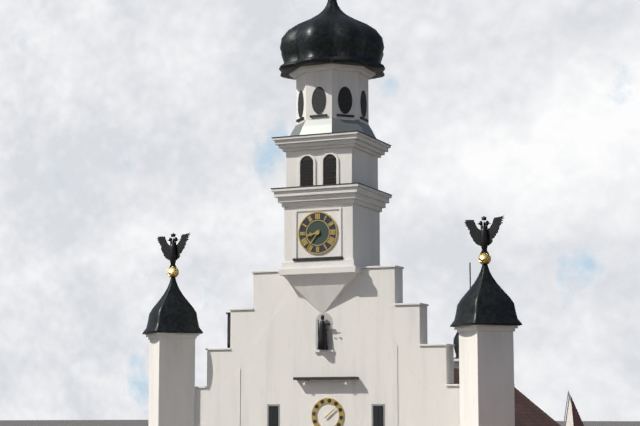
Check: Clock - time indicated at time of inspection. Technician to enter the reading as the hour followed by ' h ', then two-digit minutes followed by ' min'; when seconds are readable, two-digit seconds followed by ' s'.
8 h 36 min
